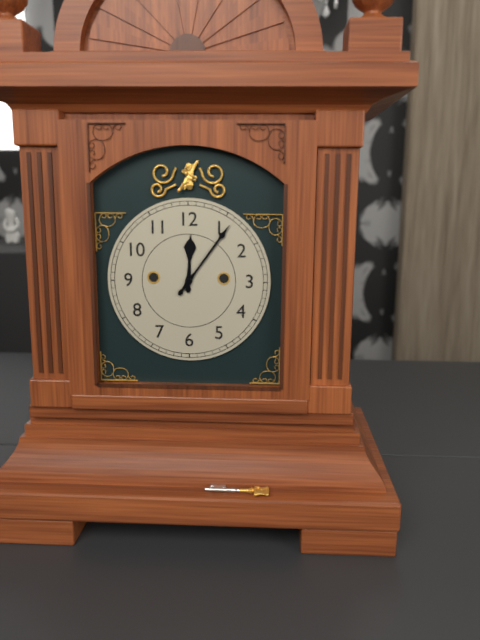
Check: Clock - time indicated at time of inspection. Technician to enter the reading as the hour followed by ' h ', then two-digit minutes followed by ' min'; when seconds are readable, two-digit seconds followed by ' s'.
12 h 06 min
